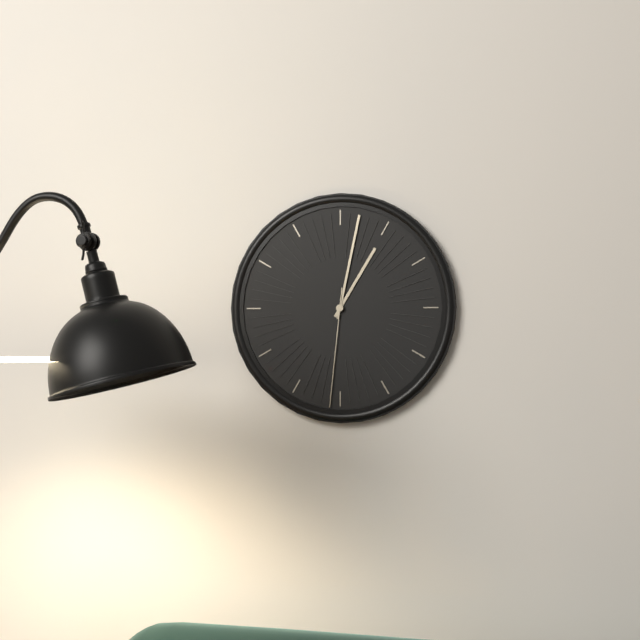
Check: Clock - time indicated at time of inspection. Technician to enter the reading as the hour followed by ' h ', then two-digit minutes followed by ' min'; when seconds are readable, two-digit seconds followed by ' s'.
1 h 02 min 31 s
